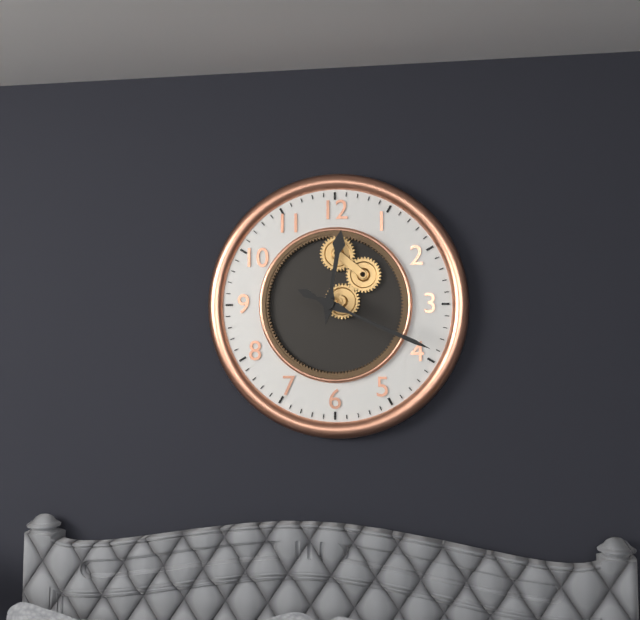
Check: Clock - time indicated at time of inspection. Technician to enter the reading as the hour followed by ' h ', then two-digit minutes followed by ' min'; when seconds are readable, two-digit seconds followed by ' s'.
12 h 19 min
